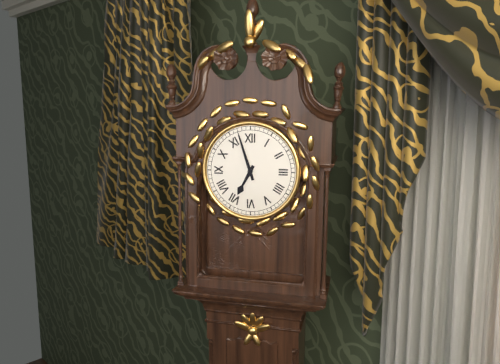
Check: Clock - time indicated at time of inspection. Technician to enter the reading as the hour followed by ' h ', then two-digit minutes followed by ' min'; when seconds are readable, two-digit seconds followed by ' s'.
6 h 57 min
